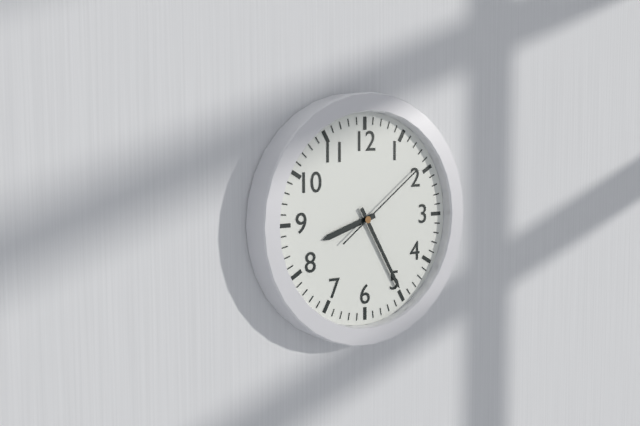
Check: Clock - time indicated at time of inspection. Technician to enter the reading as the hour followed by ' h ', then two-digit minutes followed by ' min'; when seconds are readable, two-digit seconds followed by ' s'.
8 h 25 min 09 s
